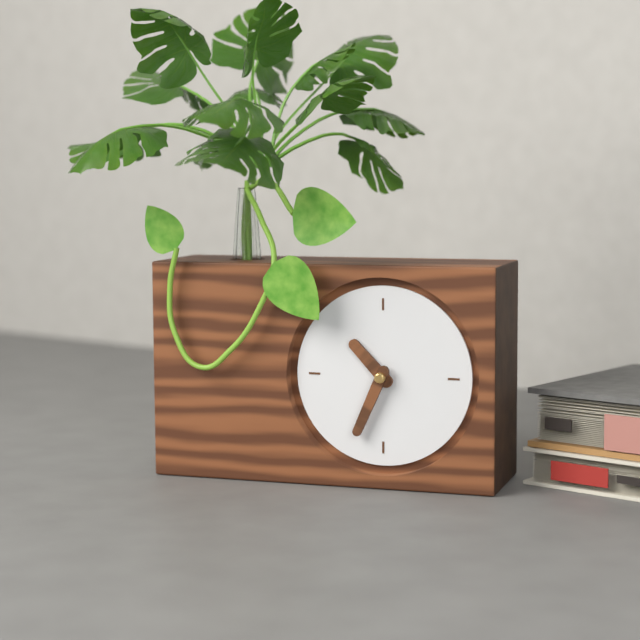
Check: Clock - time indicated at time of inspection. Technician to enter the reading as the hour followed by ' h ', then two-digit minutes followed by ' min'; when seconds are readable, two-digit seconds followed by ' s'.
10 h 34 min
